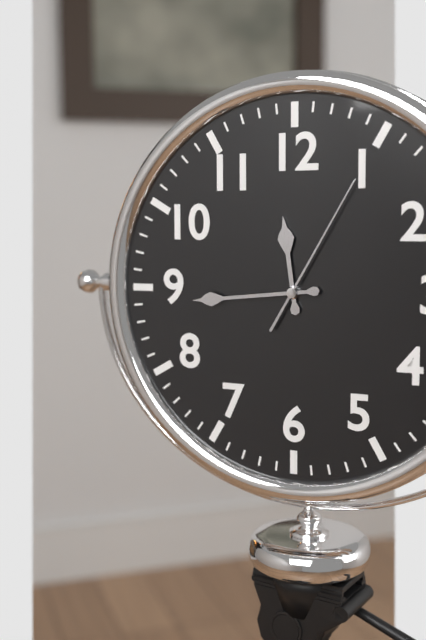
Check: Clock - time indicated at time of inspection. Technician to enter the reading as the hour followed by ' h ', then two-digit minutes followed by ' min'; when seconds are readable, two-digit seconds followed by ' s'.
11 h 44 min 05 s
